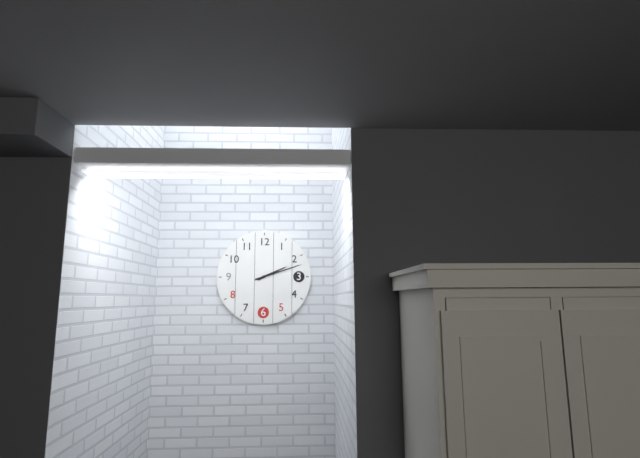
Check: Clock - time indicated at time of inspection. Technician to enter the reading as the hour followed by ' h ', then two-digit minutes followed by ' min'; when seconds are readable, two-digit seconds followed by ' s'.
2 h 12 min
